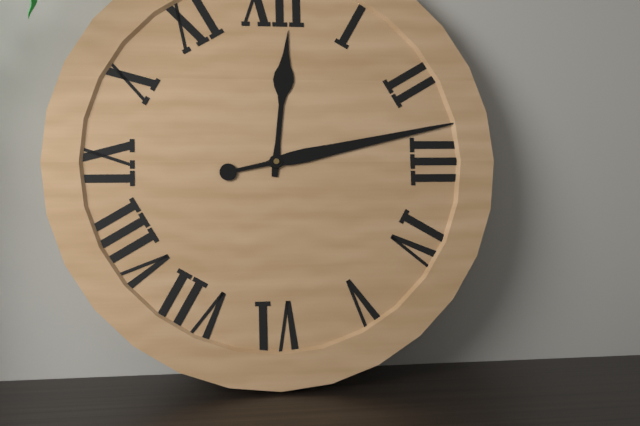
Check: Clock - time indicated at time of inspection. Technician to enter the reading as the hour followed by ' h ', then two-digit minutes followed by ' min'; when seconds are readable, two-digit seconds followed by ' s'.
12 h 13 min
